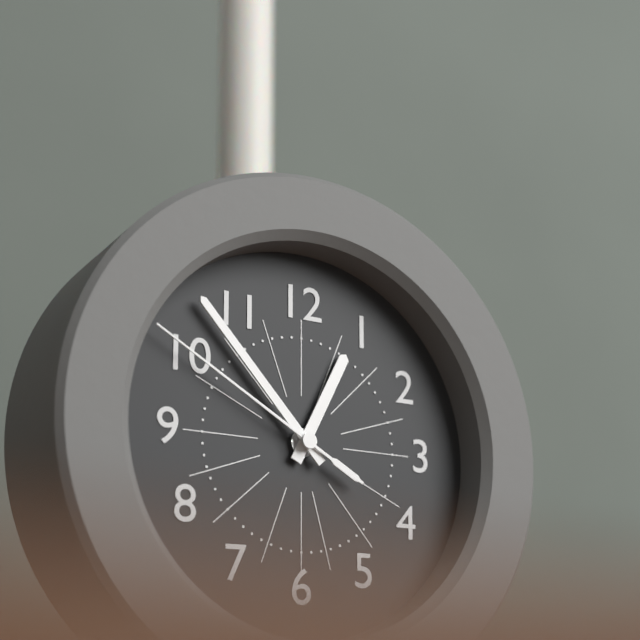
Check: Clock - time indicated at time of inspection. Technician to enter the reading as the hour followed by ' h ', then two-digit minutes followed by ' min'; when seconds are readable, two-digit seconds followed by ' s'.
12 h 53 min 50 s
